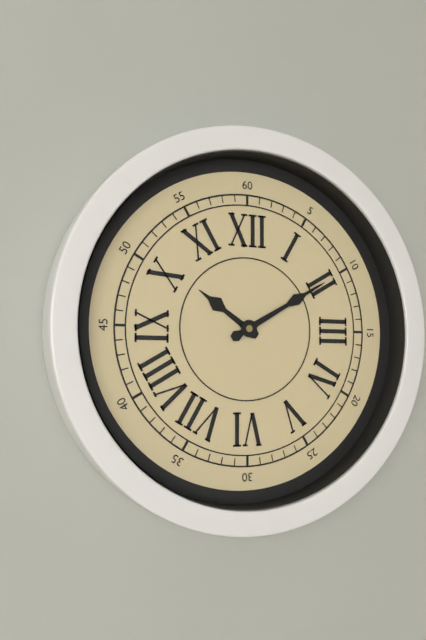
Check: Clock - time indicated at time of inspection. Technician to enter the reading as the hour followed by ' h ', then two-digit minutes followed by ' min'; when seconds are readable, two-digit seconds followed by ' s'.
10 h 10 min
